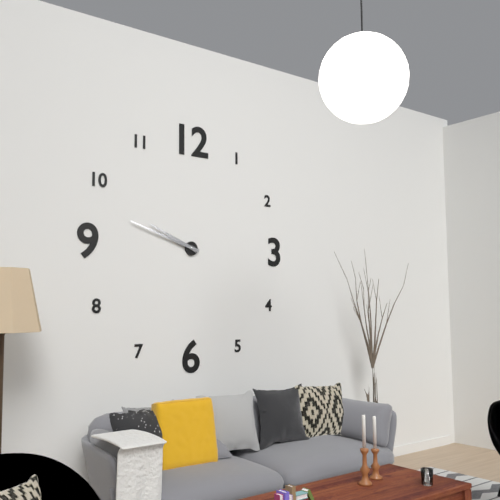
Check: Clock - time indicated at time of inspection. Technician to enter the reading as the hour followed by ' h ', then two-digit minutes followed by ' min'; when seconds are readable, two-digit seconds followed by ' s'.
9 h 48 min
